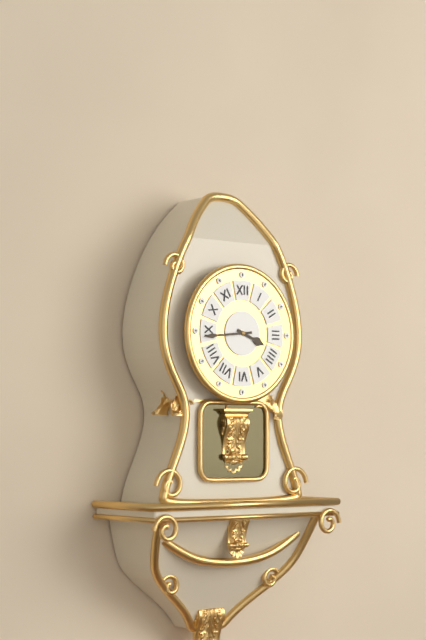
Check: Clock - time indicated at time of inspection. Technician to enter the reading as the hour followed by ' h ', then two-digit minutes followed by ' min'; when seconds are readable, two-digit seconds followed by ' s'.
3 h 44 min
